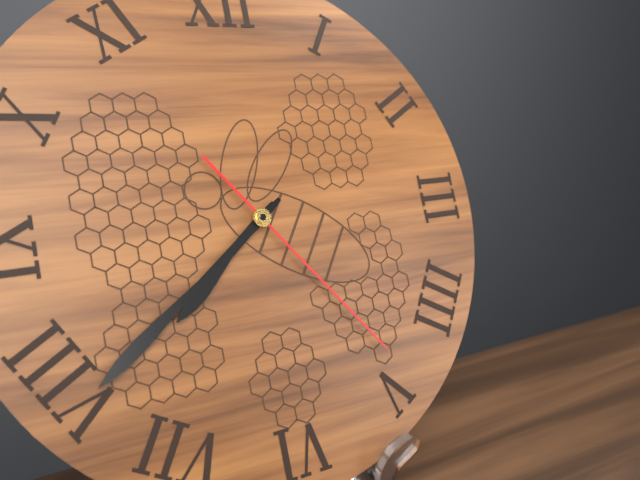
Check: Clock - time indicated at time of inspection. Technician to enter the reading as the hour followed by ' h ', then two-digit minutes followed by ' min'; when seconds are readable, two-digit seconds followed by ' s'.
7 h 39 min 24 s
